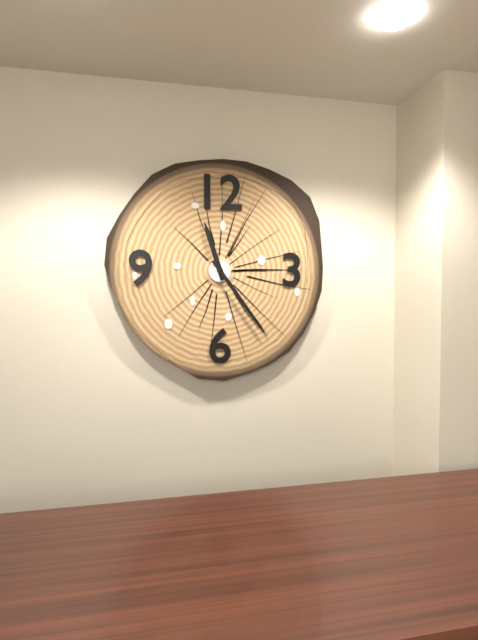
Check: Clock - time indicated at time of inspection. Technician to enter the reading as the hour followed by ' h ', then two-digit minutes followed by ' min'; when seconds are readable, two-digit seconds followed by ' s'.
11 h 24 min
